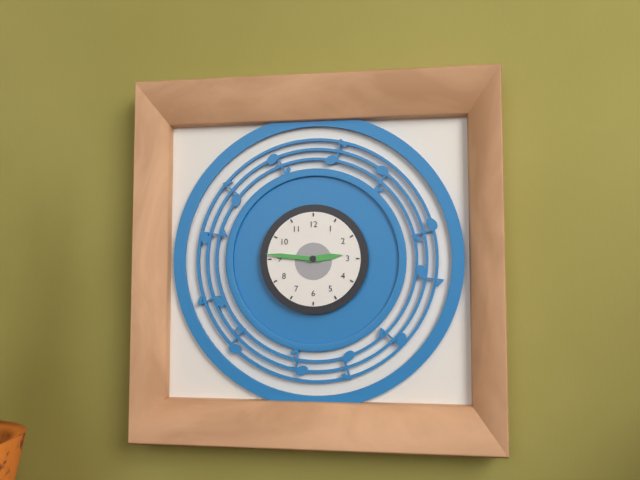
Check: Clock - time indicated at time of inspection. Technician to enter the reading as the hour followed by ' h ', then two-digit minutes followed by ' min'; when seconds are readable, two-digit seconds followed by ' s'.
2 h 46 min
